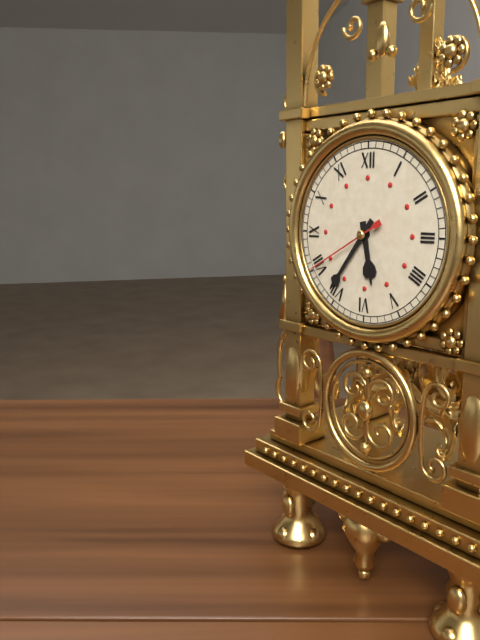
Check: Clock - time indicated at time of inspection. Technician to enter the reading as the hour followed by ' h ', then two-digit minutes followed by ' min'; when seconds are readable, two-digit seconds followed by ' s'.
5 h 36 min 40 s
